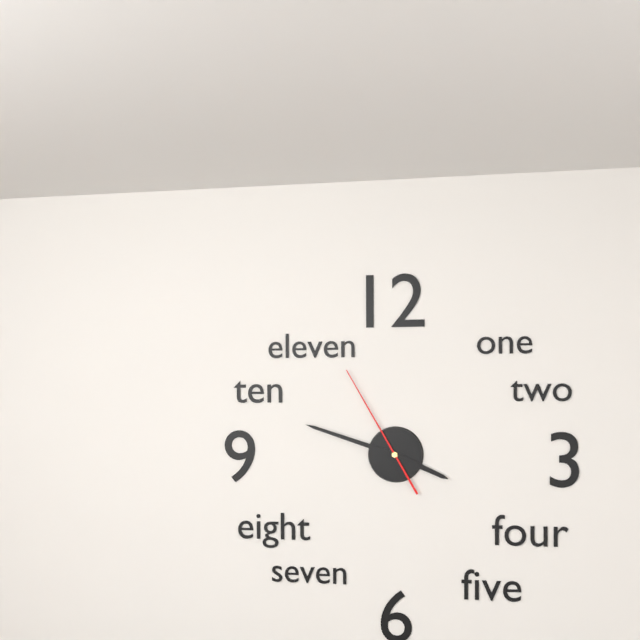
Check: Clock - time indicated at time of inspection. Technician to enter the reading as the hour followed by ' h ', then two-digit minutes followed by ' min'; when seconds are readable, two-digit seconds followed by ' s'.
3 h 48 min 55 s
